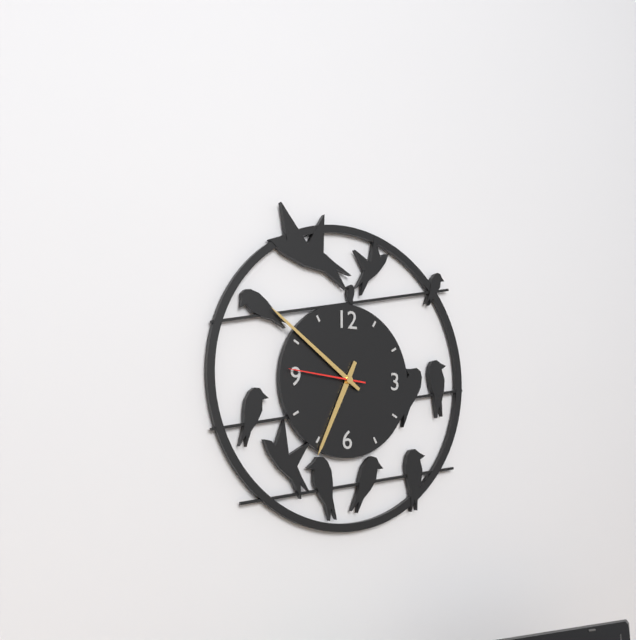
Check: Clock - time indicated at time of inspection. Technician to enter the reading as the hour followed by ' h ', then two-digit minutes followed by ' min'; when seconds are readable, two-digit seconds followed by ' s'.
6 h 51 min 46 s
